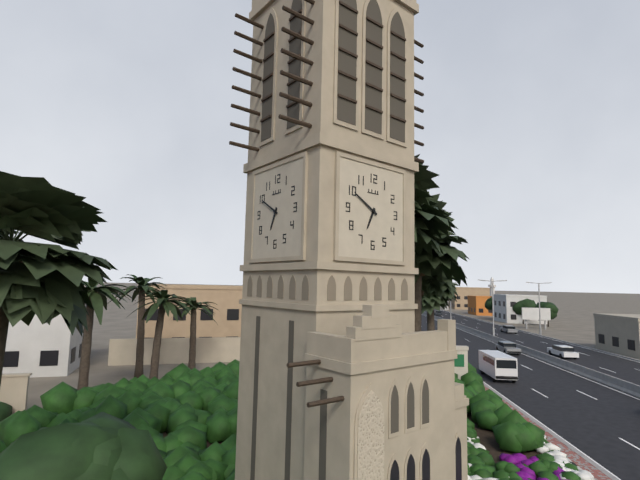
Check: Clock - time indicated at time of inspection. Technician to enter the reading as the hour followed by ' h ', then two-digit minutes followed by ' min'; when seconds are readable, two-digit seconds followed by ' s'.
6 h 50 min
